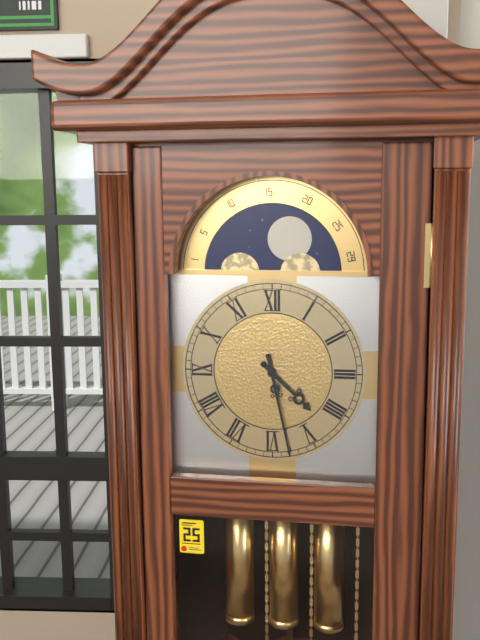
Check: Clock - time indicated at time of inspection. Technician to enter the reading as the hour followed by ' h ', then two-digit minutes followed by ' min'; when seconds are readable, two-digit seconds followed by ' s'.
4 h 28 min
